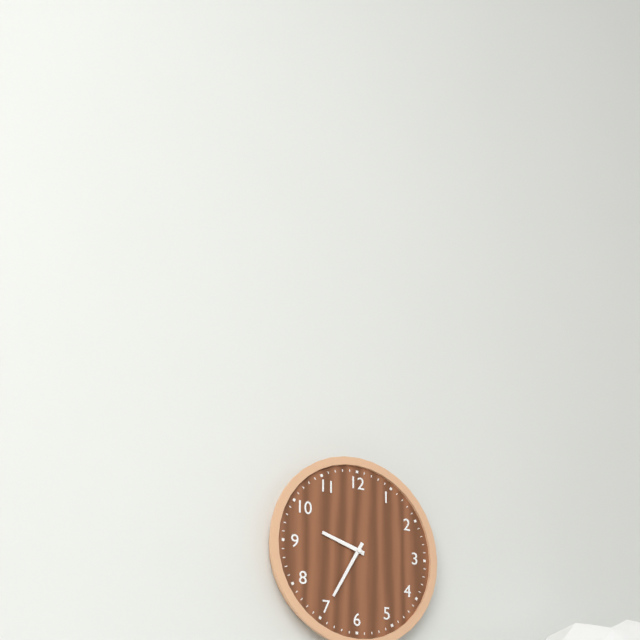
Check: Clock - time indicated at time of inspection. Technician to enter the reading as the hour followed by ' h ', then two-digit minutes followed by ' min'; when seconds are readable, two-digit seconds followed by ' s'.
9 h 35 min
